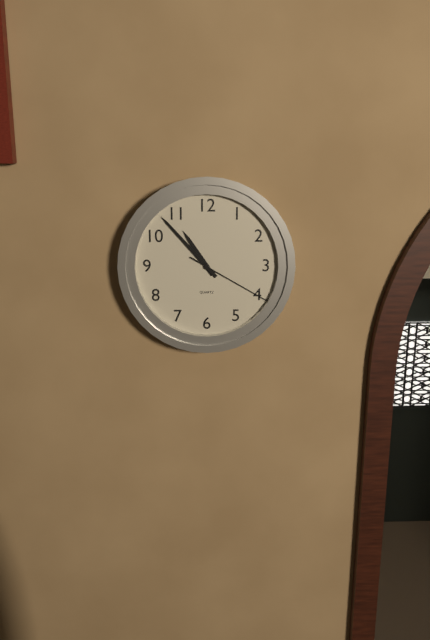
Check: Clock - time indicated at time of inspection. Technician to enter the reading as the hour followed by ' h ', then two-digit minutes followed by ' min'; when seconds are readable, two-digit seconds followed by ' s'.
10 h 53 min 20 s
